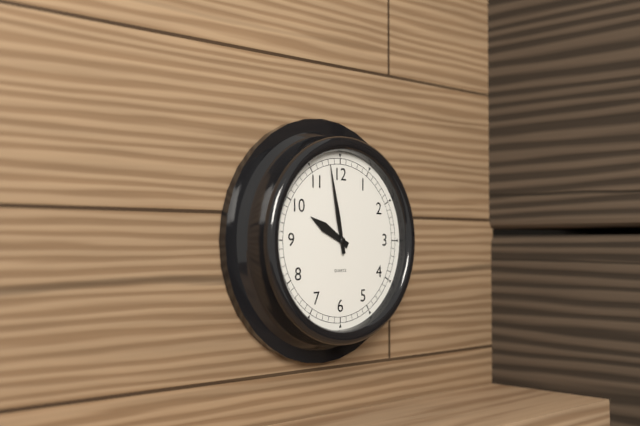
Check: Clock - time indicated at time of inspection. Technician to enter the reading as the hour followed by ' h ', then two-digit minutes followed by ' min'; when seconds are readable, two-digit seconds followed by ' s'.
9 h 58 min
